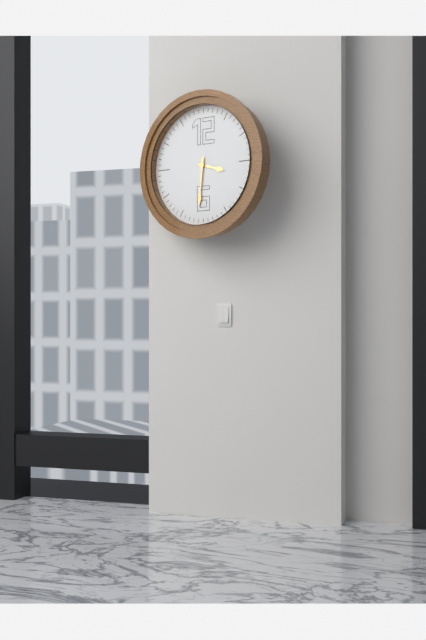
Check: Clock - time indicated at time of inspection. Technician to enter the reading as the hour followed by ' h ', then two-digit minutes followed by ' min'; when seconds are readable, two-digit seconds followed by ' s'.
3 h 31 min
